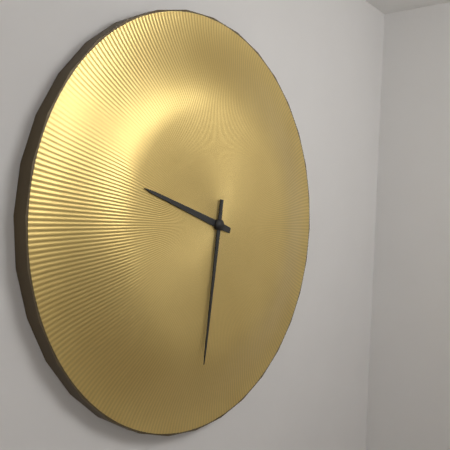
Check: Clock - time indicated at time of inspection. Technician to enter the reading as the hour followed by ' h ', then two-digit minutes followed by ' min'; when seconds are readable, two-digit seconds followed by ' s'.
9 h 31 min
